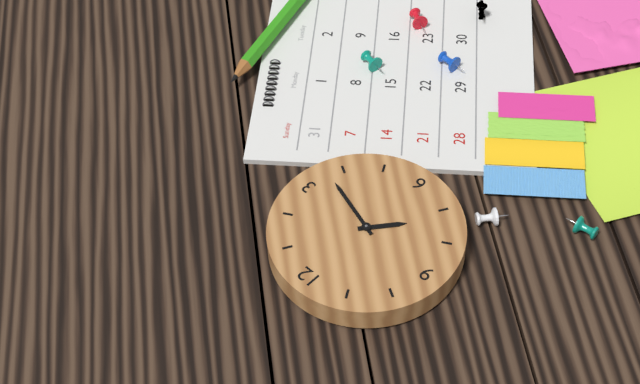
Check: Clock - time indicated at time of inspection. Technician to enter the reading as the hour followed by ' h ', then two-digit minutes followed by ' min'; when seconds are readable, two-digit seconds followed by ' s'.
7 h 18 min
